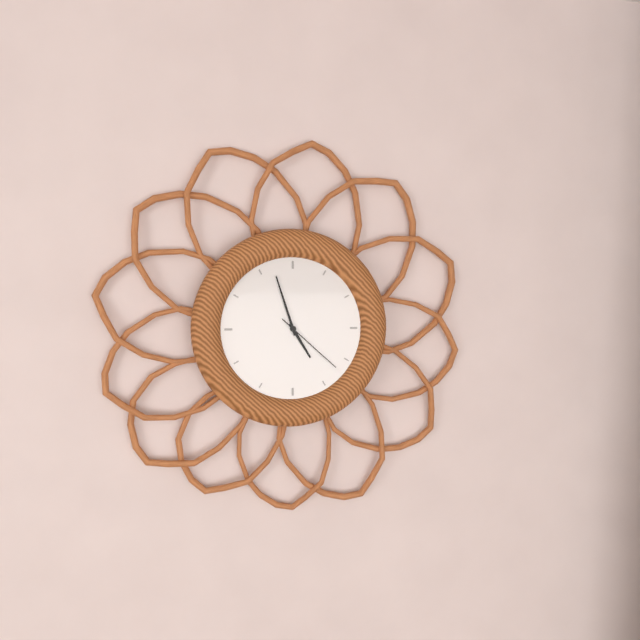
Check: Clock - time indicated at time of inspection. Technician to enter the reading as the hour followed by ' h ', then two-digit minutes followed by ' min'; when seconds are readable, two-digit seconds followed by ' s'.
4 h 57 min 22 s
